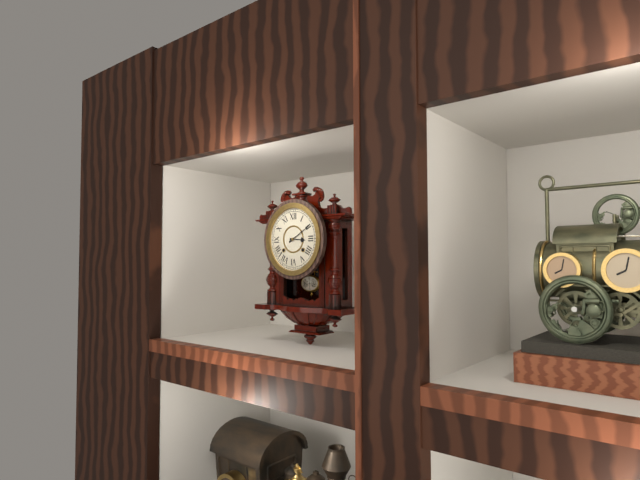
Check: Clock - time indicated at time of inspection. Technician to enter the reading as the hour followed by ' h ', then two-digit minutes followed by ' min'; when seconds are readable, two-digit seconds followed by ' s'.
3 h 10 min
